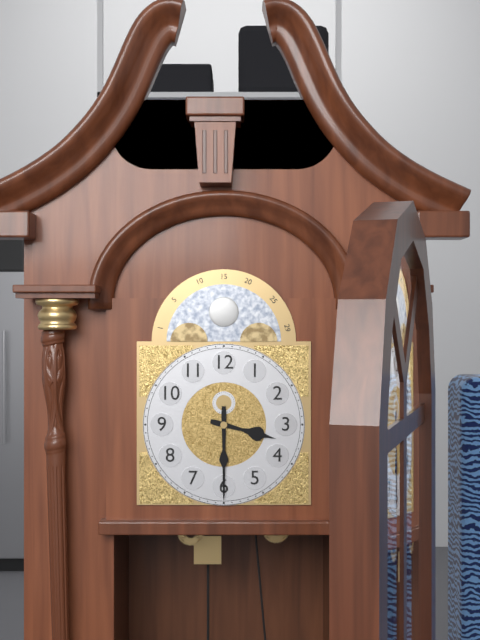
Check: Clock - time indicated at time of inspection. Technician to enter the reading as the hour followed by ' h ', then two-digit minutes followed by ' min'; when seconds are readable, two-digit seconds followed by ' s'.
3 h 30 min
